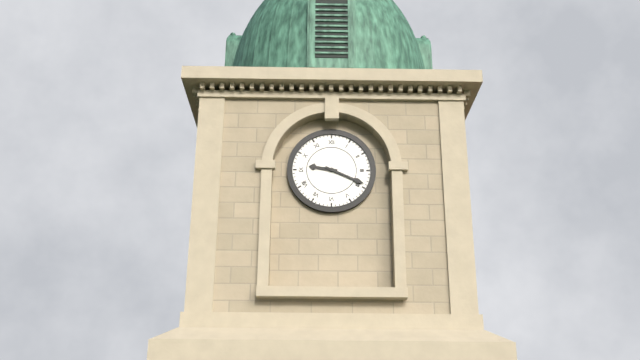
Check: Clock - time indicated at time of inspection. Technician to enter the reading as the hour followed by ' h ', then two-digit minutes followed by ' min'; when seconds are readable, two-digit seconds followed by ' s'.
9 h 19 min
